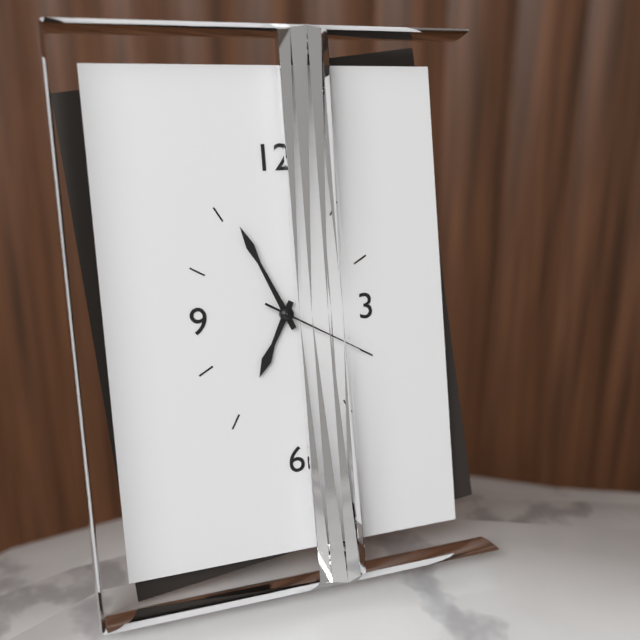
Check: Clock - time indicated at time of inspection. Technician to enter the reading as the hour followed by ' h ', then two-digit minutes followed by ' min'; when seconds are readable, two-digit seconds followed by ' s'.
6 h 56 min 20 s
